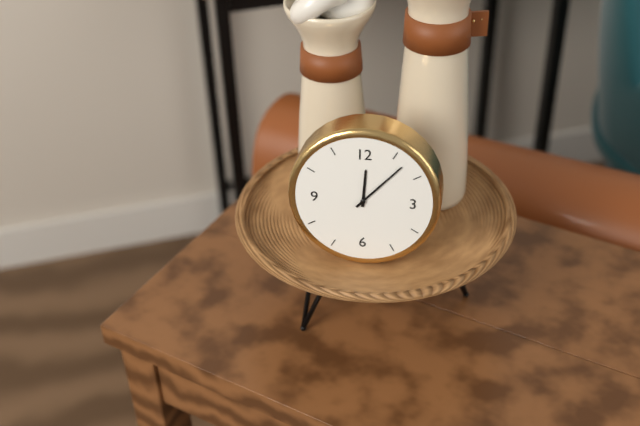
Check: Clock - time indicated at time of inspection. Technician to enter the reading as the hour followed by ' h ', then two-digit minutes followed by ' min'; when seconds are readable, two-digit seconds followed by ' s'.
12 h 07 min
